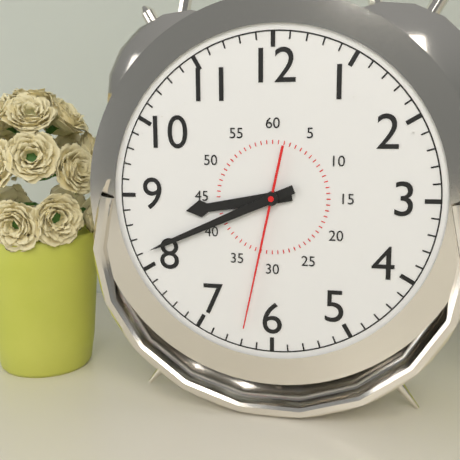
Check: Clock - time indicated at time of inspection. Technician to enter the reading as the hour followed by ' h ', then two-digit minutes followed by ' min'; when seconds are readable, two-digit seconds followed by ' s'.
8 h 41 min 32 s
